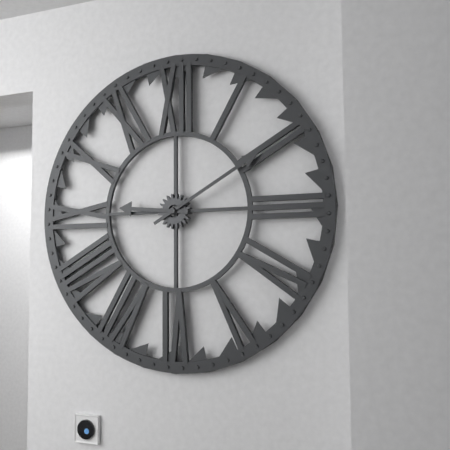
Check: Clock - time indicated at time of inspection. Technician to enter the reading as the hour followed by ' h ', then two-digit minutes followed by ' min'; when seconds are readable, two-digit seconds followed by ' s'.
9 h 10 min
